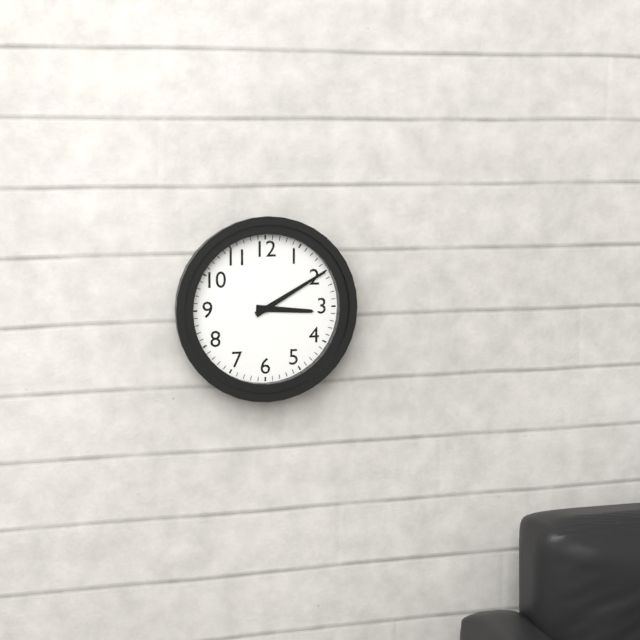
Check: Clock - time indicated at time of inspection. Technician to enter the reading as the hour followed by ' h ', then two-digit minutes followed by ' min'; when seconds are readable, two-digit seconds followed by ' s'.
3 h 10 min
